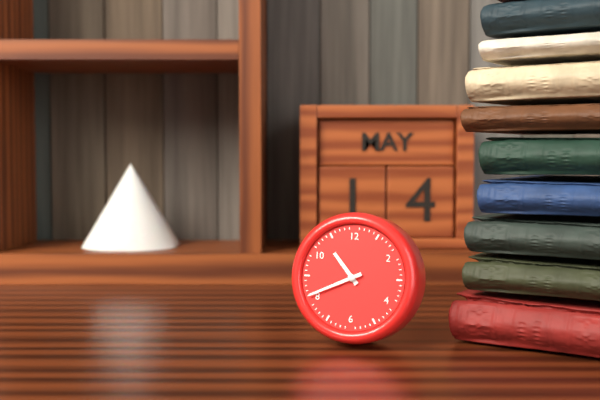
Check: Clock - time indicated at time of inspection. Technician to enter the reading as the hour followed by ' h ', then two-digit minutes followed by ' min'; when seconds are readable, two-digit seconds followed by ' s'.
10 h 41 min
